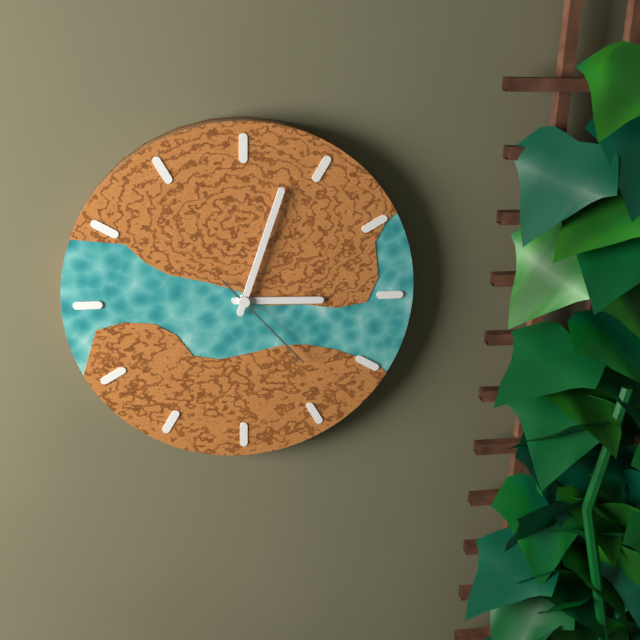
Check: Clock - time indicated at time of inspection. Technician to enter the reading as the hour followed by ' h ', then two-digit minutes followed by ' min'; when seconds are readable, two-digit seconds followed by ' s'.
3 h 03 min 23 s
